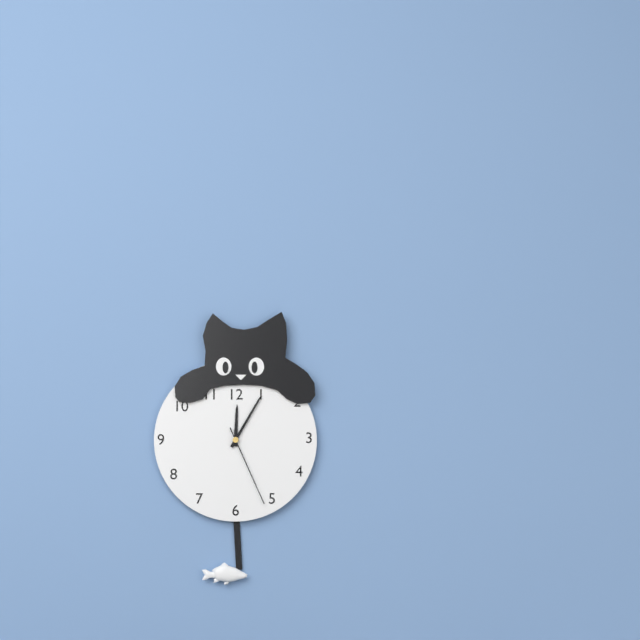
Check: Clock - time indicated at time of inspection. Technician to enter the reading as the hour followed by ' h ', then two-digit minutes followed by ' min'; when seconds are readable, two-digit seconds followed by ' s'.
12 h 05 min 26 s
